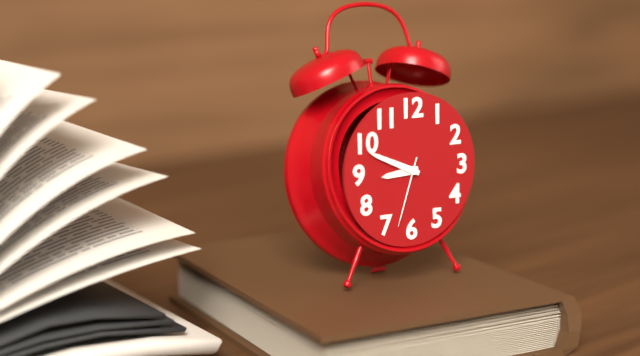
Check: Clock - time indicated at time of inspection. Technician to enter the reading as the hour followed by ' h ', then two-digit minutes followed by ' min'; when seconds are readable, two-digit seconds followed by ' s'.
8 h 49 min 33 s
